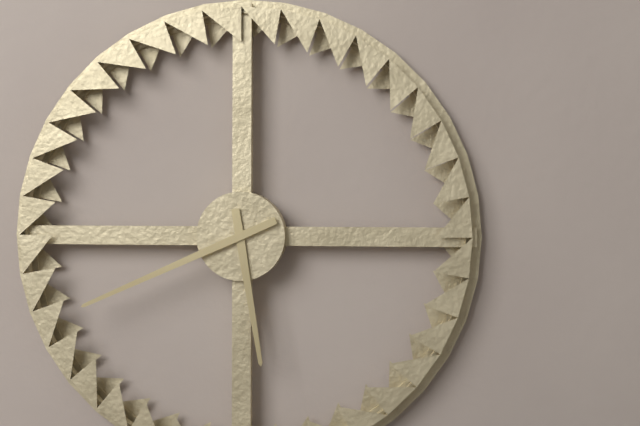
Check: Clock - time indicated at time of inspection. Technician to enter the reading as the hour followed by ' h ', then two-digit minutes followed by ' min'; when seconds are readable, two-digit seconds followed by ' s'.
5 h 41 min
